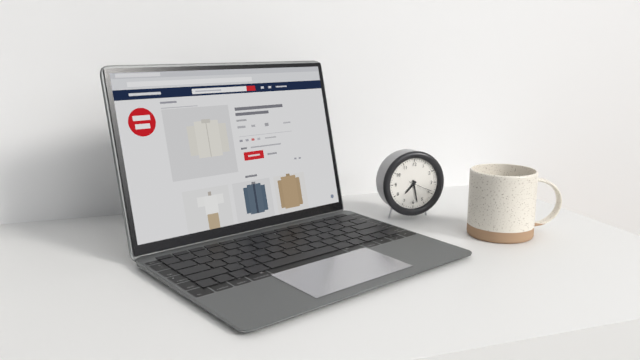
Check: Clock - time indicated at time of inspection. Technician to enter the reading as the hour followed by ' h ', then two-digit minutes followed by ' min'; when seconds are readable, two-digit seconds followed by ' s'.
7 h 28 min
